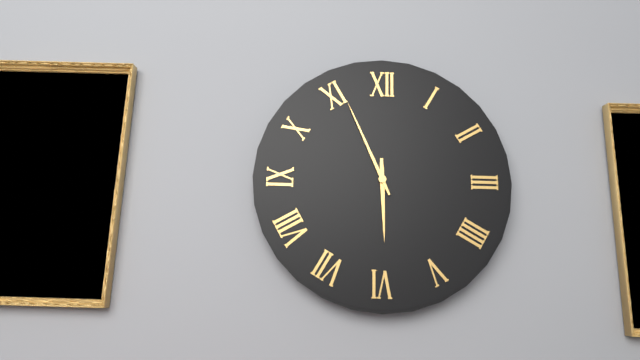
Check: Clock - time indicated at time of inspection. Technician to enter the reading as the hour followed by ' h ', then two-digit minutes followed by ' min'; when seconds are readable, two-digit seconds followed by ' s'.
5 h 56 min
